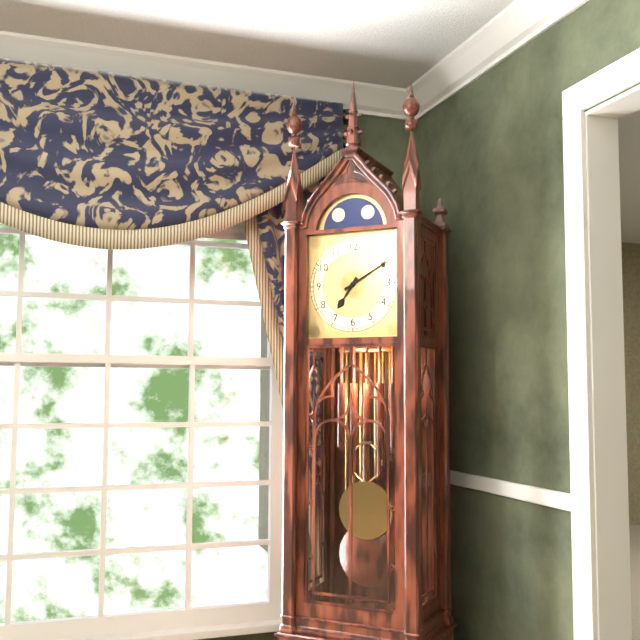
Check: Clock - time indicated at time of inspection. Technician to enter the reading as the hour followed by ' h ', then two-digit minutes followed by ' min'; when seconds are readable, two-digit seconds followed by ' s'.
7 h 10 min
